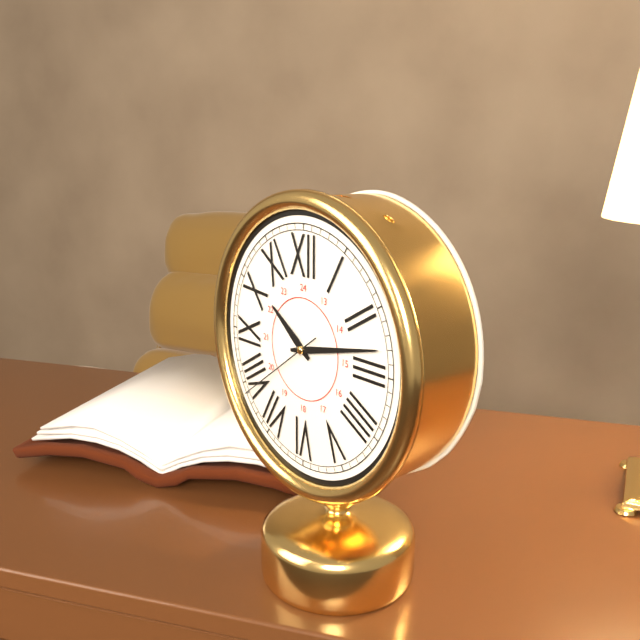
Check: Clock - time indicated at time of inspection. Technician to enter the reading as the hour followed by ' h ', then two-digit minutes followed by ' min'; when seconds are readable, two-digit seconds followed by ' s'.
10 h 13 min 39 s
